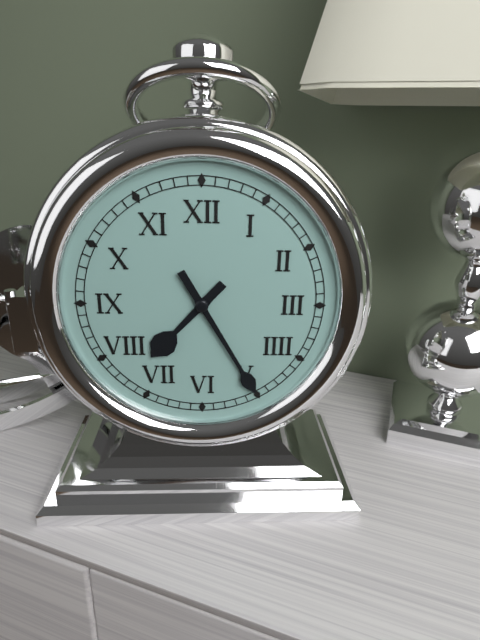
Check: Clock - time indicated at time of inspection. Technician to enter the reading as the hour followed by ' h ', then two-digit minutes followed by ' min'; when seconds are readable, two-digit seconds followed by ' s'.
7 h 25 min
